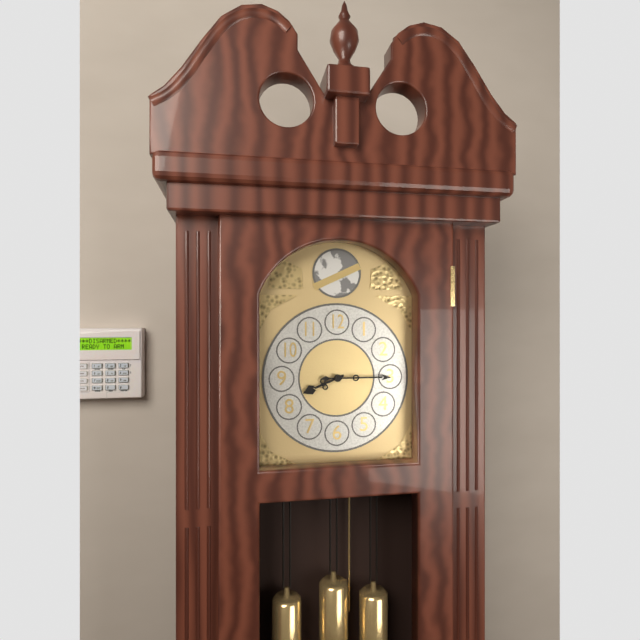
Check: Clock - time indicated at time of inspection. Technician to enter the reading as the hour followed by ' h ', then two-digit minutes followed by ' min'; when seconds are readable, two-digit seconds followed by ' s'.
8 h 15 min
